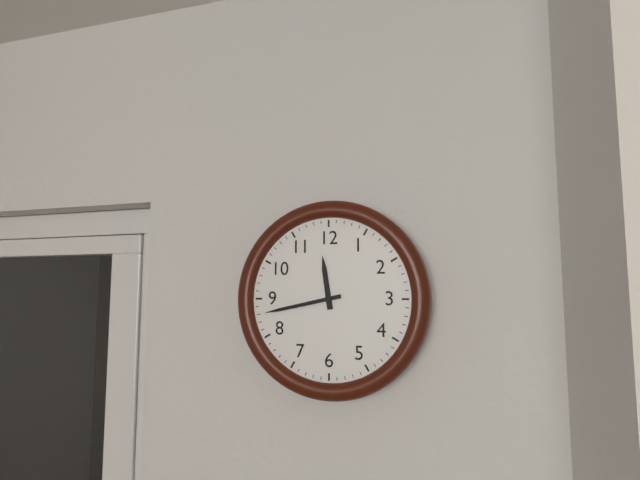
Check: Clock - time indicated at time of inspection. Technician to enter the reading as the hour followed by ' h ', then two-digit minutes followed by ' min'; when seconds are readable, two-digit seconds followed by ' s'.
11 h 43 min
